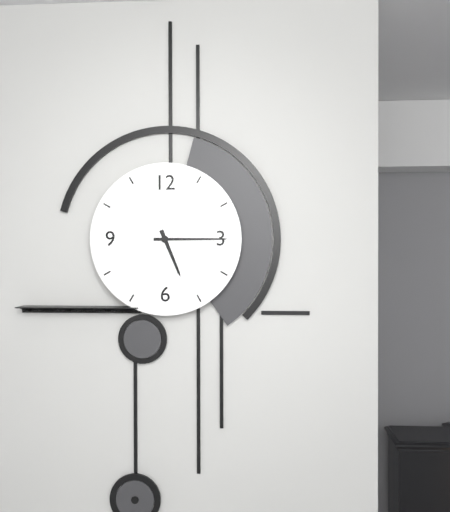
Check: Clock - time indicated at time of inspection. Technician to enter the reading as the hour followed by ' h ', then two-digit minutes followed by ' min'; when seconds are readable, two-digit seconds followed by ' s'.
5 h 15 min
